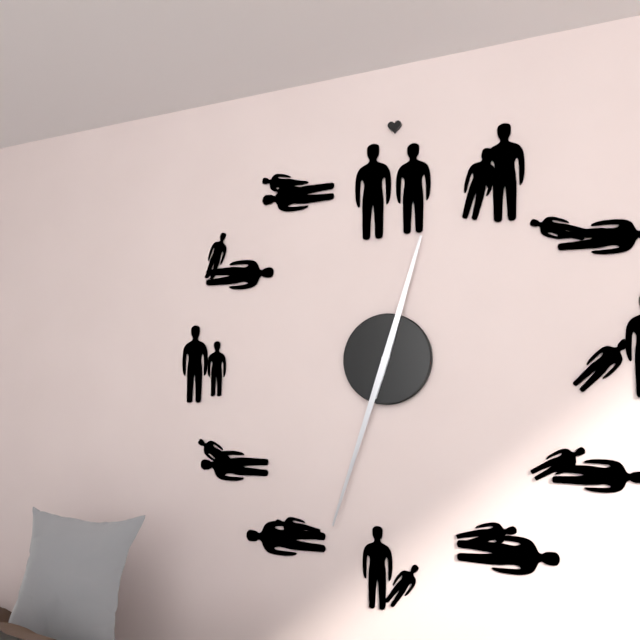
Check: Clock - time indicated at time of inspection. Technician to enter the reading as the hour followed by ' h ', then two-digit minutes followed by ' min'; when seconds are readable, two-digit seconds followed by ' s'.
12 h 33 min
